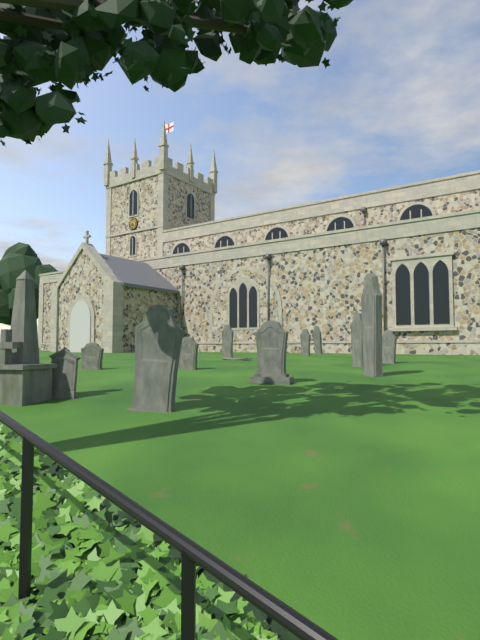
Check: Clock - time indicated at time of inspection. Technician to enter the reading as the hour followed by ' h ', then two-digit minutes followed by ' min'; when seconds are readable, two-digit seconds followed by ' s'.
4 h 38 min
